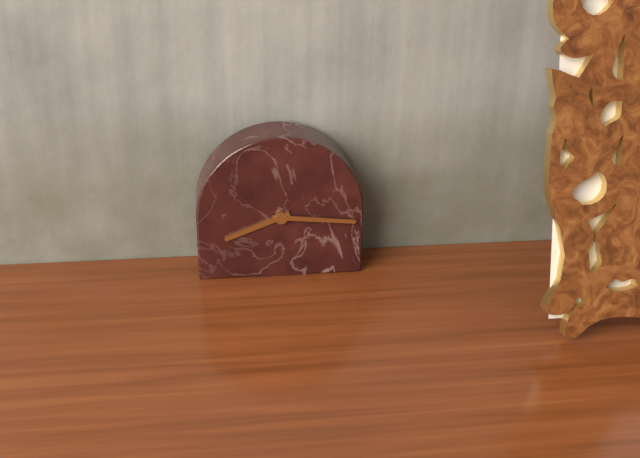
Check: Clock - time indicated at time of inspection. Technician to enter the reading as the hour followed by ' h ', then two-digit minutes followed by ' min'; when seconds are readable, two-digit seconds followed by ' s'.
8 h 16 min
